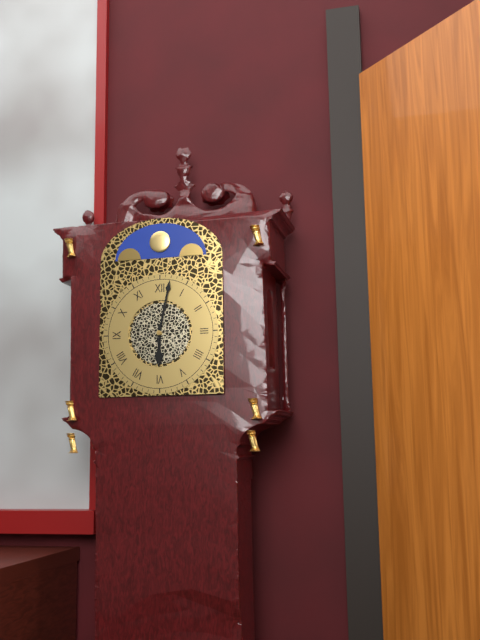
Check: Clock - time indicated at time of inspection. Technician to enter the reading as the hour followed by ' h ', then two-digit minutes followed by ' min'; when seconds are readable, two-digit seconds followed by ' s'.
6 h 02 min
